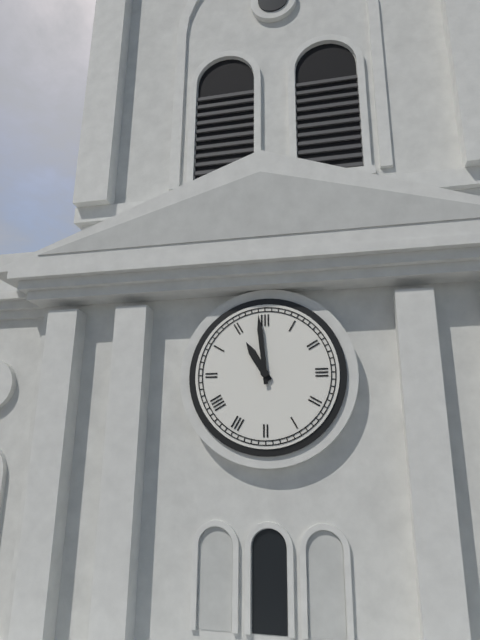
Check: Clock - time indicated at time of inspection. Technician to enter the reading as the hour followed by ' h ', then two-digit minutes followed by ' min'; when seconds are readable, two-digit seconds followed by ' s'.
10 h 59 min
